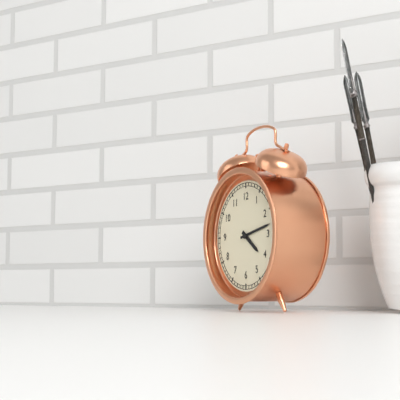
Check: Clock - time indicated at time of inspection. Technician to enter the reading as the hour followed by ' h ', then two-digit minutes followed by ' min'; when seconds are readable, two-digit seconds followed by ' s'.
4 h 13 min
